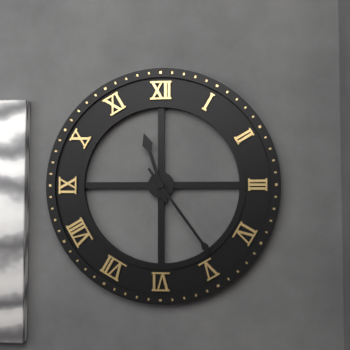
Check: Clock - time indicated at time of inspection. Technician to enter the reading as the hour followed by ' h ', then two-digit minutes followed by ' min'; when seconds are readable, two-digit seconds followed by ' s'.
11 h 24 min
